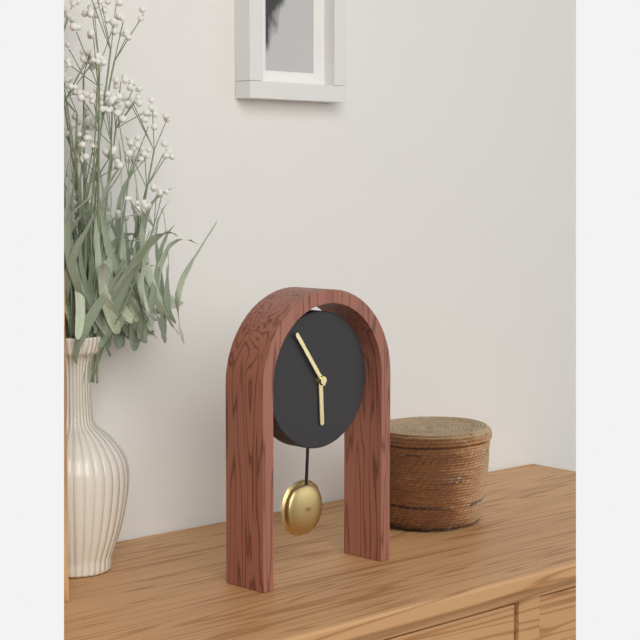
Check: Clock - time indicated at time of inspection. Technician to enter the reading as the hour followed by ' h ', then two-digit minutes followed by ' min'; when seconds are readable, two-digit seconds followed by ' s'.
5 h 54 min
